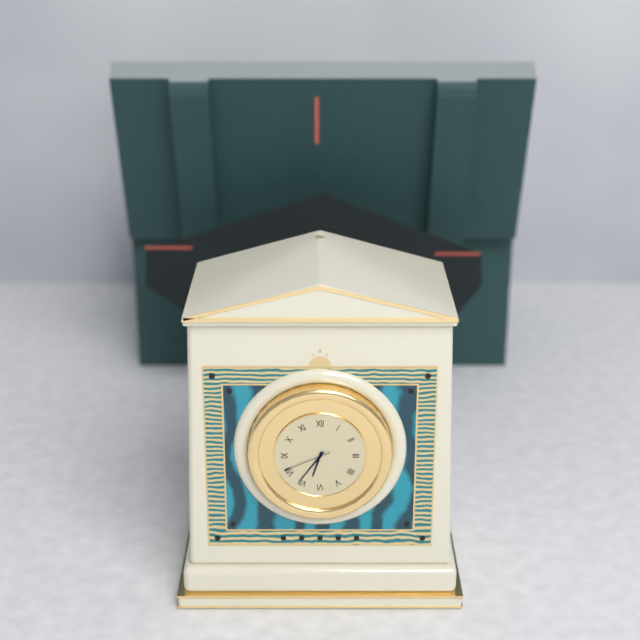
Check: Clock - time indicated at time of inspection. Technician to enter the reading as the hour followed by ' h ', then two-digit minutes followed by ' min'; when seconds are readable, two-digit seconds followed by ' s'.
6 h 36 min
